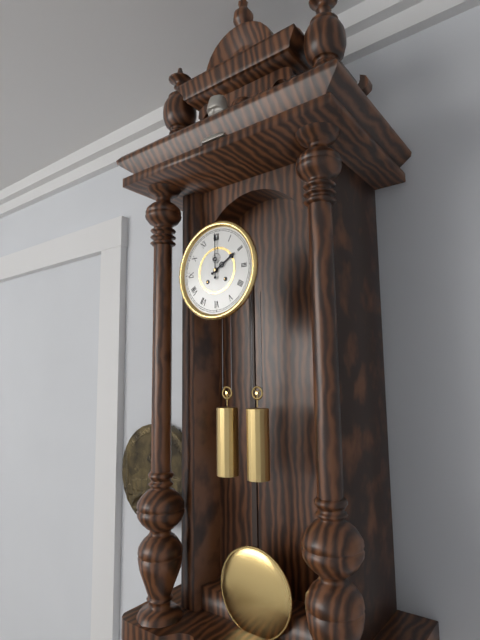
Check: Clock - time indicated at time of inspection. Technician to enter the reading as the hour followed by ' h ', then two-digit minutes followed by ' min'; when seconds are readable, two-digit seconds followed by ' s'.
2 h 00 min
